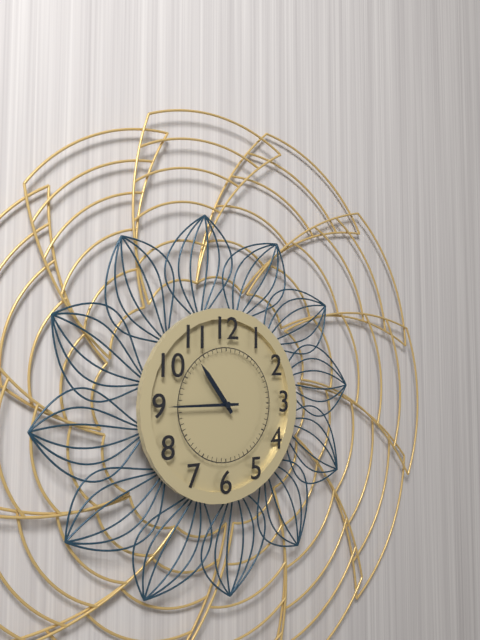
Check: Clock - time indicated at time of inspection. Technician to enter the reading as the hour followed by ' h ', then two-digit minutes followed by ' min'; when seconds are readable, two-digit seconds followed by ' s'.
10 h 45 min
